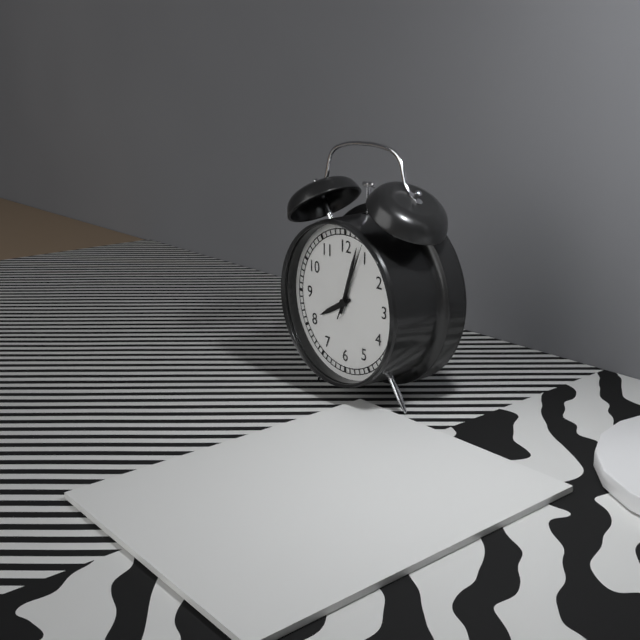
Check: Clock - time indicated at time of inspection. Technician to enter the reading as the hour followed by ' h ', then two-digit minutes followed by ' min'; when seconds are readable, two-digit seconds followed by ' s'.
8 h 03 min 04 s
